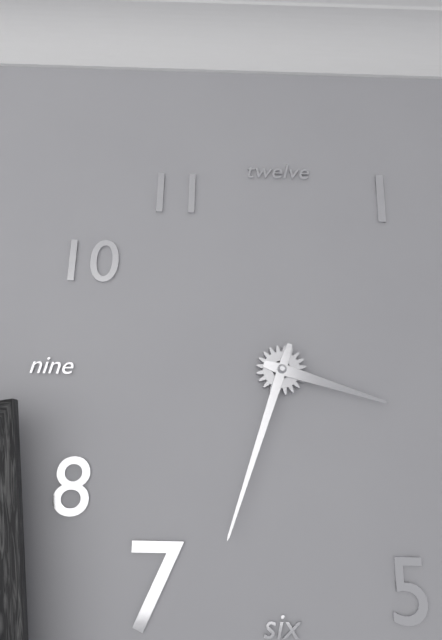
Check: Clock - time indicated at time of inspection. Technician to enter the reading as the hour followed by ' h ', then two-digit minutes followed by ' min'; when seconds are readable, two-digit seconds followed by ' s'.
3 h 33 min
